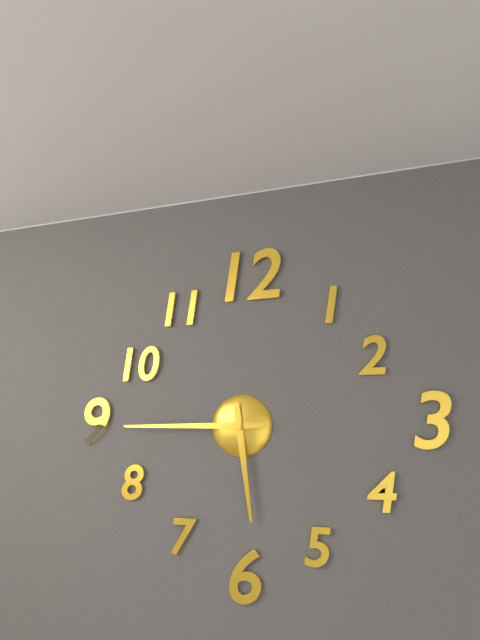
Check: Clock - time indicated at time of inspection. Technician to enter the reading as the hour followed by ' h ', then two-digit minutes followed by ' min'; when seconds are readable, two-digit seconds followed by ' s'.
5 h 45 min
